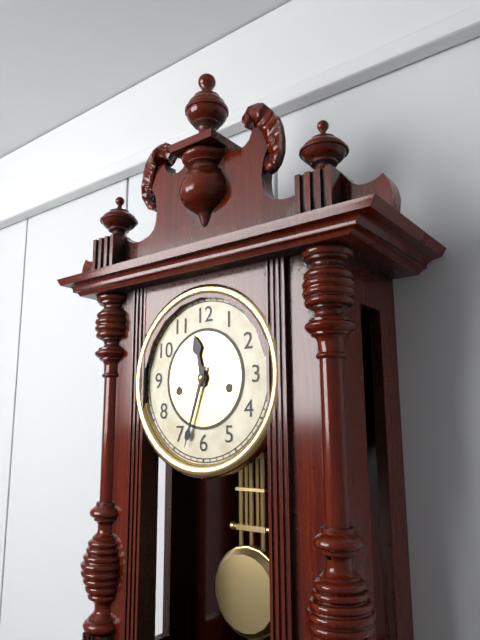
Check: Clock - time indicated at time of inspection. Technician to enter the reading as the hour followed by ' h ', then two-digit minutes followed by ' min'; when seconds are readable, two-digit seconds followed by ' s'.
11 h 33 min
